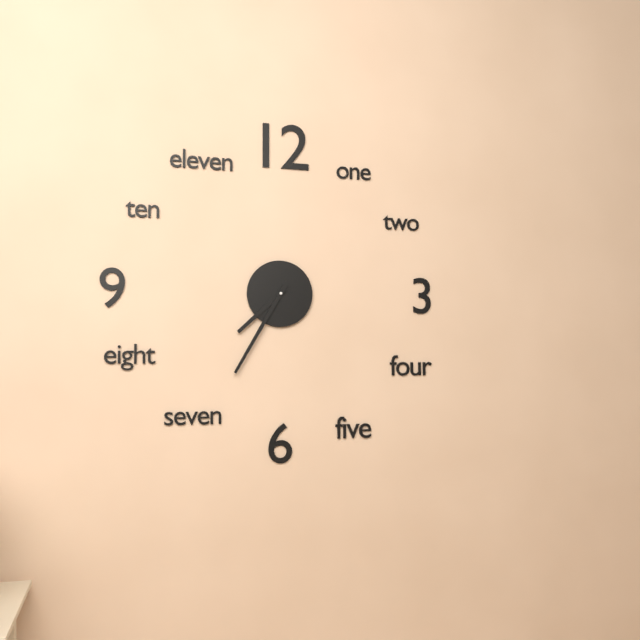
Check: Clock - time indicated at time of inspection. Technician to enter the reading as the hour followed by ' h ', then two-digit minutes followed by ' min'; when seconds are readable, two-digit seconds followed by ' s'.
7 h 35 min
